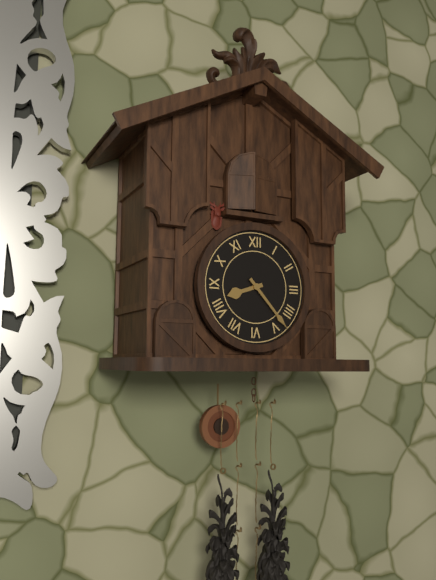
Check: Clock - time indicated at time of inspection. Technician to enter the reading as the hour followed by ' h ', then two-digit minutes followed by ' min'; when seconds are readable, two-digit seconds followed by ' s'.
8 h 23 min
